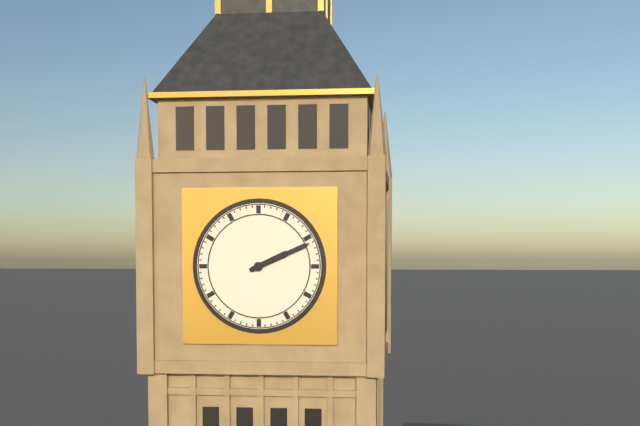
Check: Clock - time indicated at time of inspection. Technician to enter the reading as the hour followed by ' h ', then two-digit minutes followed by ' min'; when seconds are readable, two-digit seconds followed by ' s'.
2 h 11 min
